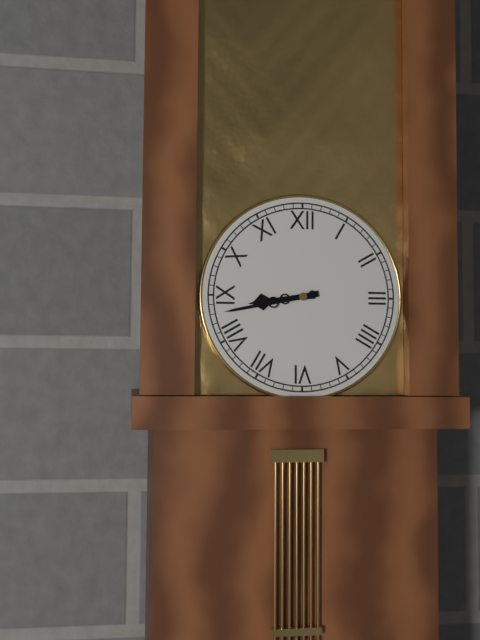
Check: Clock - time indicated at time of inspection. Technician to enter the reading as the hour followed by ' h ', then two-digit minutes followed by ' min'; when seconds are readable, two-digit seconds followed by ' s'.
8 h 43 min
